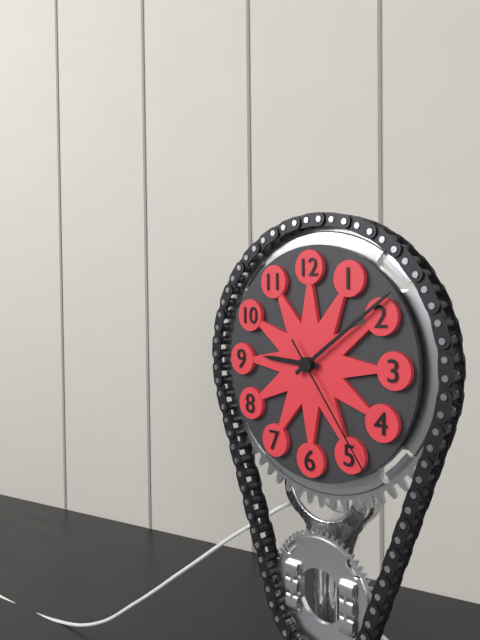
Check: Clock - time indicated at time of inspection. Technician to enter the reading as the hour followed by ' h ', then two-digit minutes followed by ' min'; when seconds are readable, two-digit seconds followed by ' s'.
9 h 09 min 24 s
